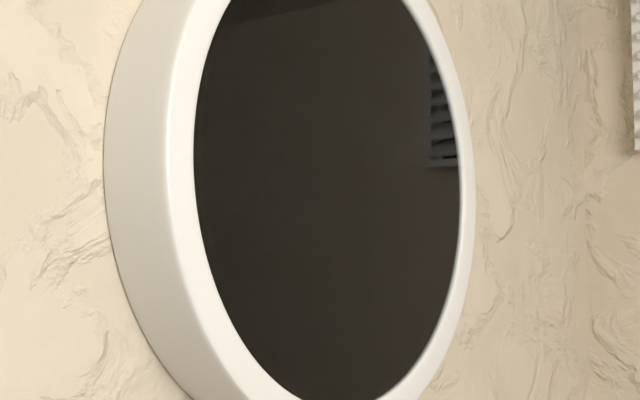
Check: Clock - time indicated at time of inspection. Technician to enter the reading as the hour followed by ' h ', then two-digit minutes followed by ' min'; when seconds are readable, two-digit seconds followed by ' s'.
11 h 40 min 42 s
